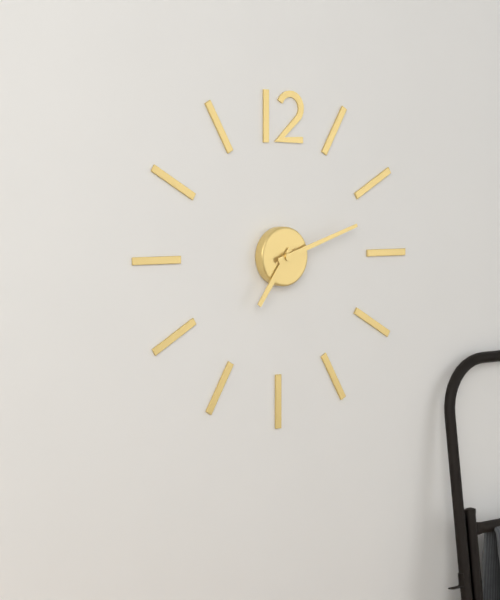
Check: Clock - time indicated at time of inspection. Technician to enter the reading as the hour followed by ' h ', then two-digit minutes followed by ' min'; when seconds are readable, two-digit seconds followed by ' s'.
7 h 12 min
